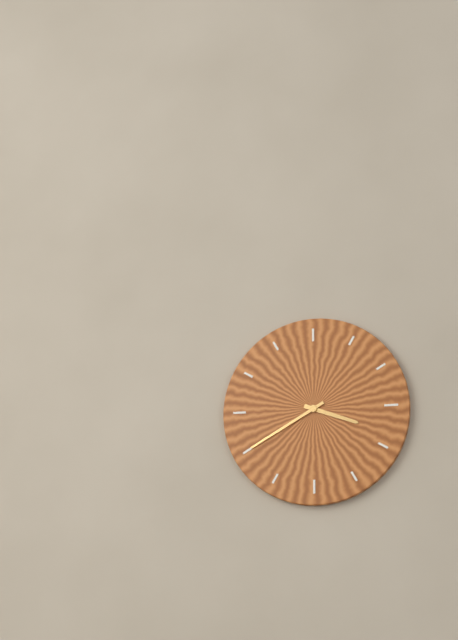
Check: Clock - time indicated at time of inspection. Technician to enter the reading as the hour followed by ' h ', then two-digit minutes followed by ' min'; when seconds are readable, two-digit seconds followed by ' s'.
3 h 40 min
